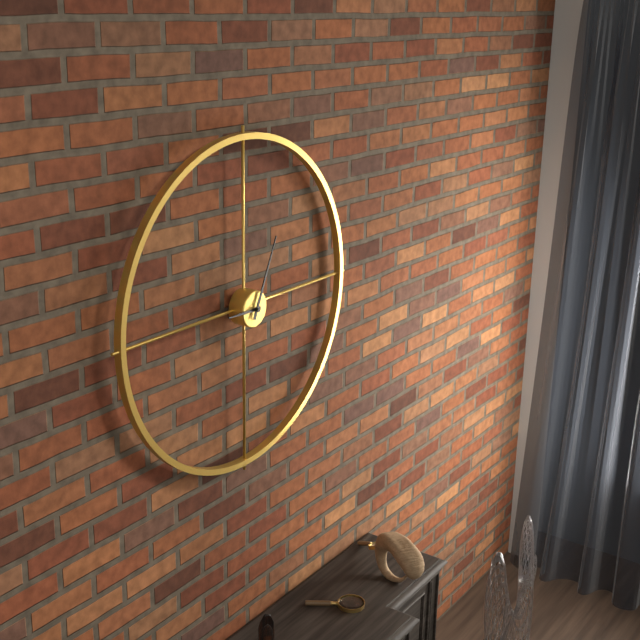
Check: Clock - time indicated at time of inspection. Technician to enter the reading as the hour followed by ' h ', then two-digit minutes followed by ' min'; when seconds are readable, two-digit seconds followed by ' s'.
9 h 04 min
